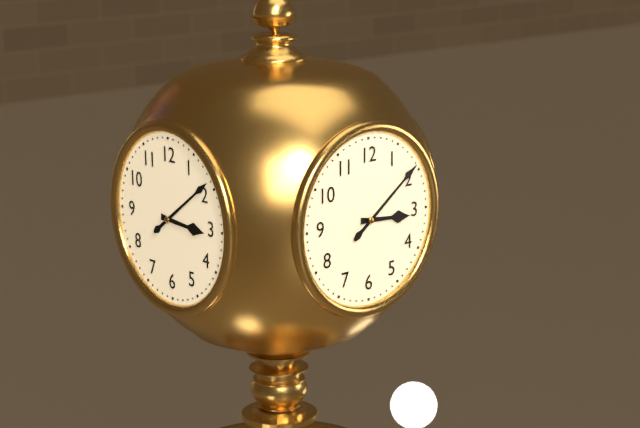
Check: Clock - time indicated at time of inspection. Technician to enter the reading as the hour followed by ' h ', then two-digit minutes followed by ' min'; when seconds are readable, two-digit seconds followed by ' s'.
3 h 09 min
